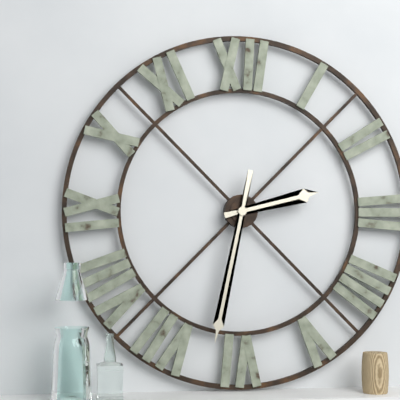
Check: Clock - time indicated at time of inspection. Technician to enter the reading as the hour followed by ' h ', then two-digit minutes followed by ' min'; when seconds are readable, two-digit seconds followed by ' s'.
2 h 32 min
